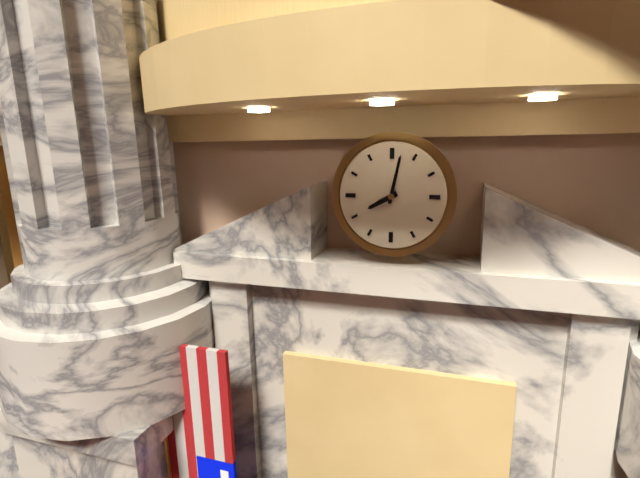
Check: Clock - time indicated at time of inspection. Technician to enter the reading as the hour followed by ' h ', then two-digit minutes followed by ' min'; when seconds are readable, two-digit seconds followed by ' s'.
8 h 02 min
